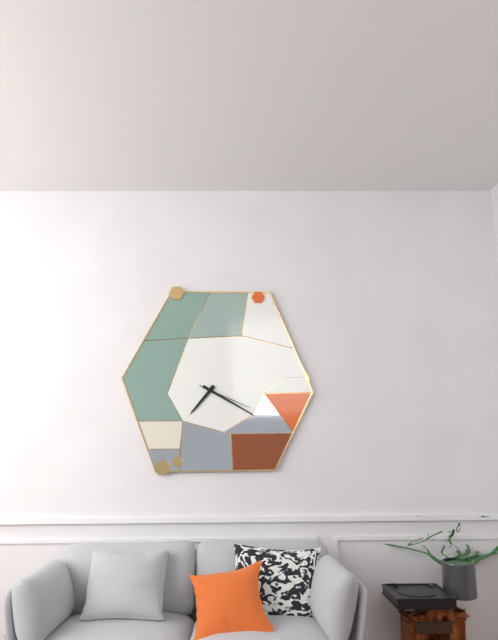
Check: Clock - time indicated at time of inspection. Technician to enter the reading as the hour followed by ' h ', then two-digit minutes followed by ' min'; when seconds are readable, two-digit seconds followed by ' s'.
7 h 20 min 19 s
